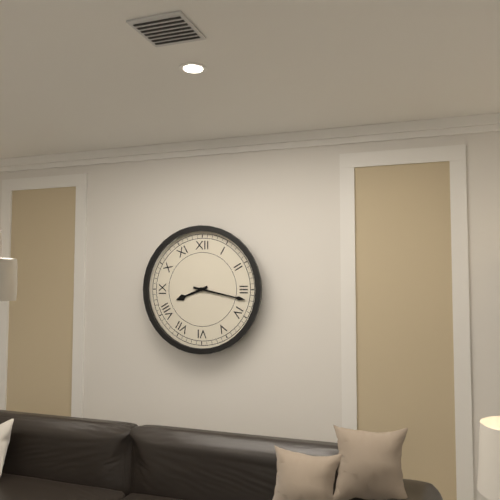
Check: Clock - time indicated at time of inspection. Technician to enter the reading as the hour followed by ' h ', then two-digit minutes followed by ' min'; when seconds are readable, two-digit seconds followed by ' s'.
8 h 17 min
